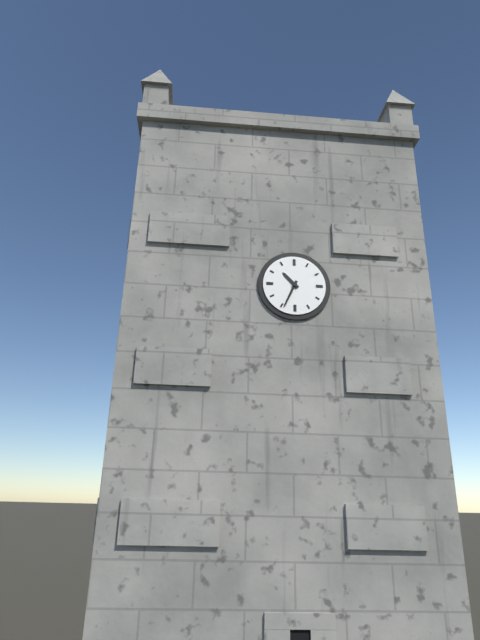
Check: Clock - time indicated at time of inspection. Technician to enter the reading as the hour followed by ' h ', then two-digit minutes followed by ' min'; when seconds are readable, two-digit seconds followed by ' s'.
10 h 34 min
